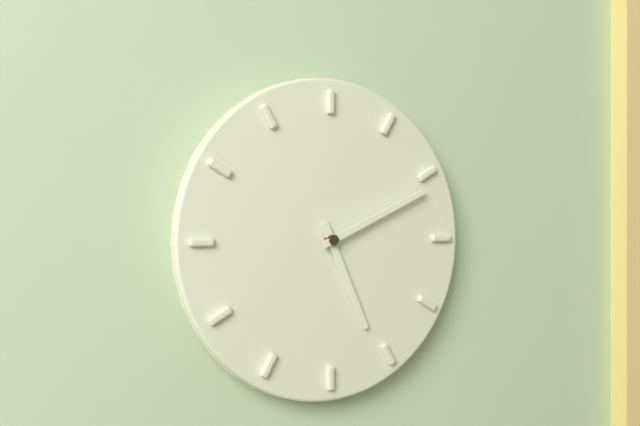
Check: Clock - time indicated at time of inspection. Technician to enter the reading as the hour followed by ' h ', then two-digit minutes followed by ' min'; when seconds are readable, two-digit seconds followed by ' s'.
5 h 11 min
